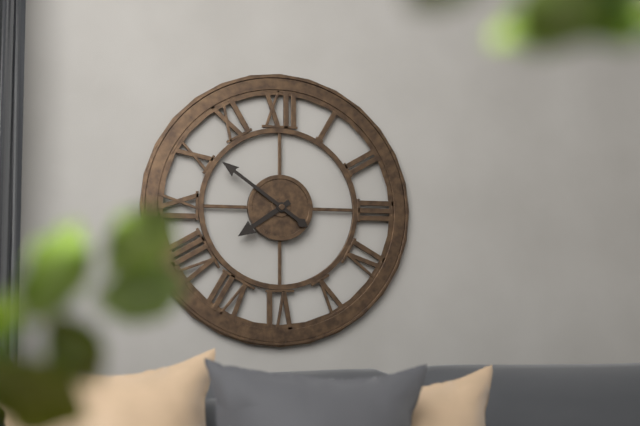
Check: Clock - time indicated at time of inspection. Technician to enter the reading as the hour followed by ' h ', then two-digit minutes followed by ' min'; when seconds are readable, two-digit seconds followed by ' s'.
7 h 51 min
